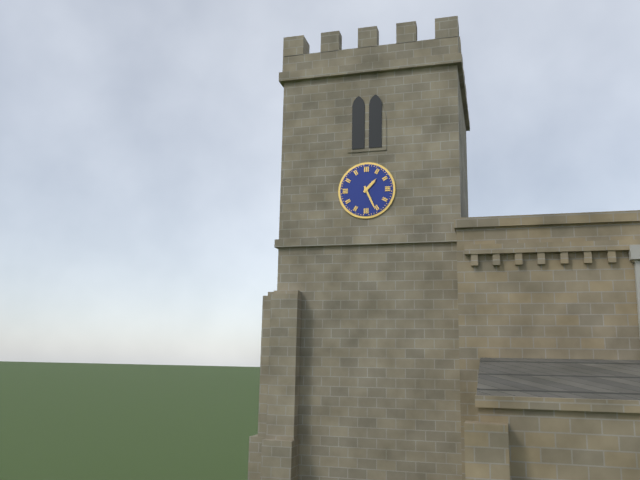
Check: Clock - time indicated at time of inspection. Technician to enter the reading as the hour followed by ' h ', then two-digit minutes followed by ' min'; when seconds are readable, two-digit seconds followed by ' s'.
1 h 26 min
